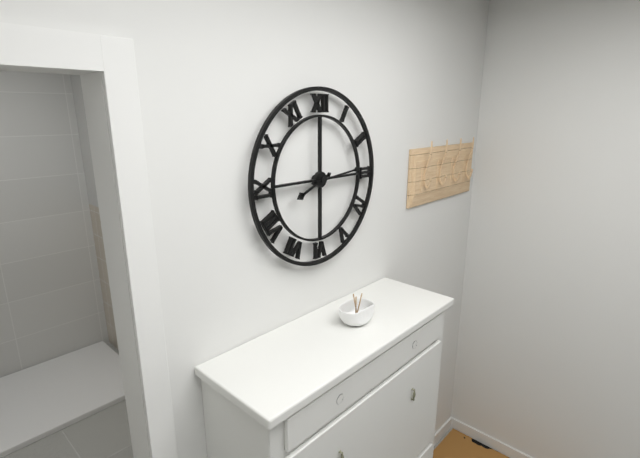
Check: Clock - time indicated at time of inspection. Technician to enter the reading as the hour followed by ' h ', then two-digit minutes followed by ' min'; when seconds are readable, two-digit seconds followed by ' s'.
8 h 14 min
